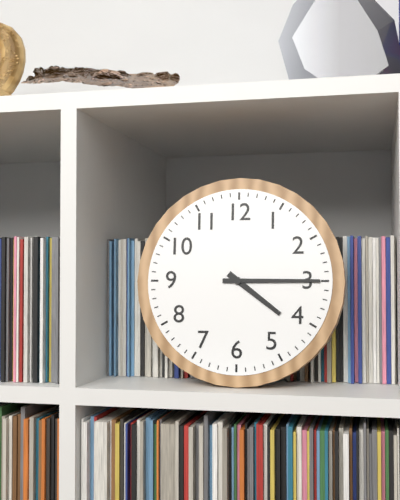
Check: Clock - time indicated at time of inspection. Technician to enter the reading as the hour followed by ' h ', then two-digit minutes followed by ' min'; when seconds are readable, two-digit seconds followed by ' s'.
4 h 15 min
